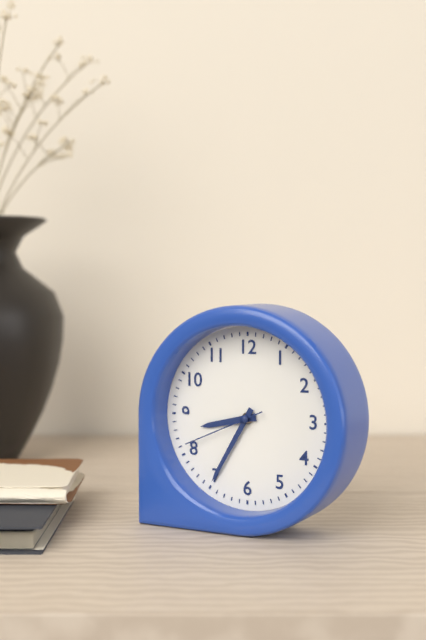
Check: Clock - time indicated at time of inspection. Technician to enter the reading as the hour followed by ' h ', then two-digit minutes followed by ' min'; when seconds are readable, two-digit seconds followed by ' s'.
8 h 35 min 41 s
